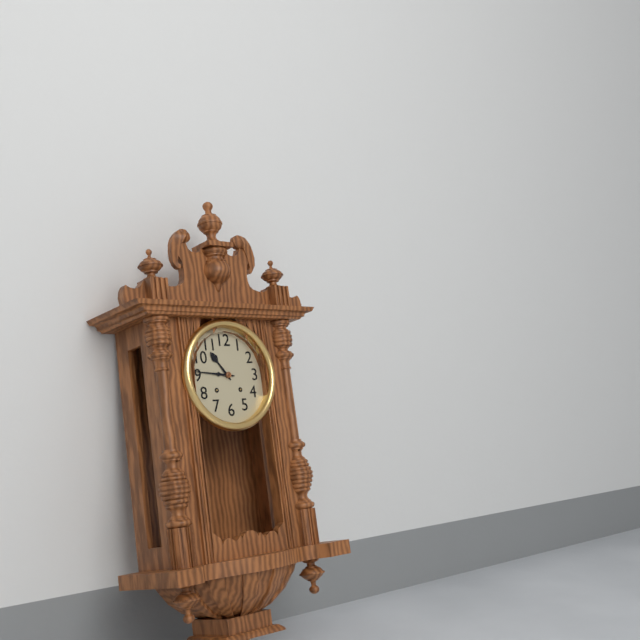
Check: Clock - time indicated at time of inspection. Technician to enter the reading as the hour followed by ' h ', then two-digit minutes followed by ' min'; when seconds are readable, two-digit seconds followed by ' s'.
10 h 46 min
